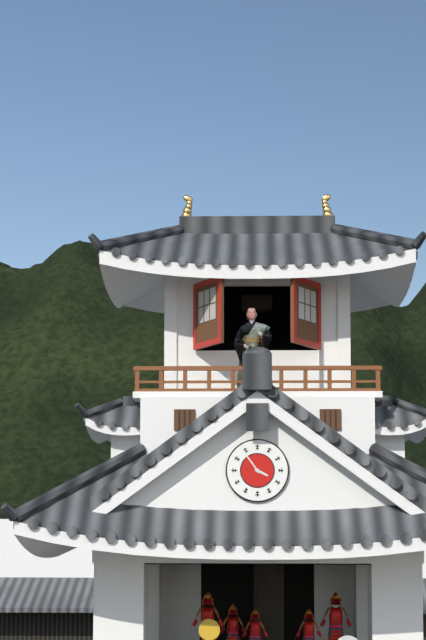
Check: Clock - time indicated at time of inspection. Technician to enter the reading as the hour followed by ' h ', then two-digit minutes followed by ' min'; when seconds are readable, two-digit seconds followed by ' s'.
3 h 54 min
